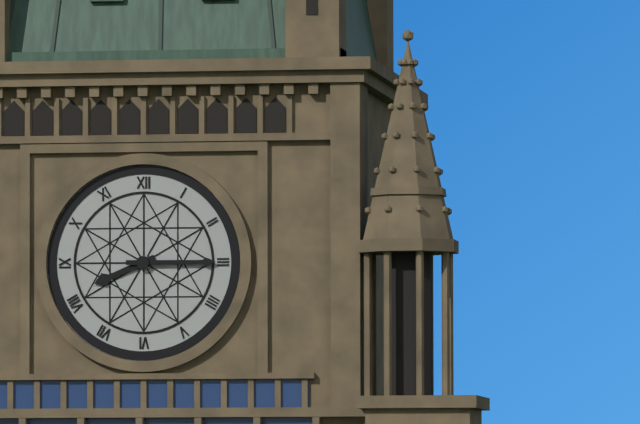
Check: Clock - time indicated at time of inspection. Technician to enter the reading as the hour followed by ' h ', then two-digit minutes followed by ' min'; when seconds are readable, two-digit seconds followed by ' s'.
8 h 15 min
